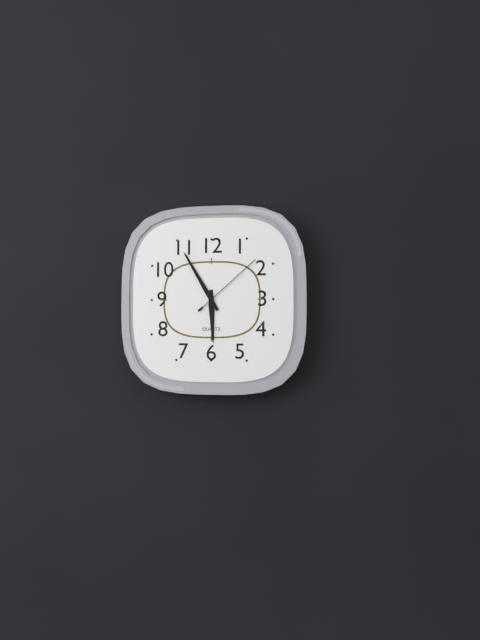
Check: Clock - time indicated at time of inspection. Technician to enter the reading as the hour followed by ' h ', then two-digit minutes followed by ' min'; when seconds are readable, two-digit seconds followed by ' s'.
5 h 55 min 08 s
